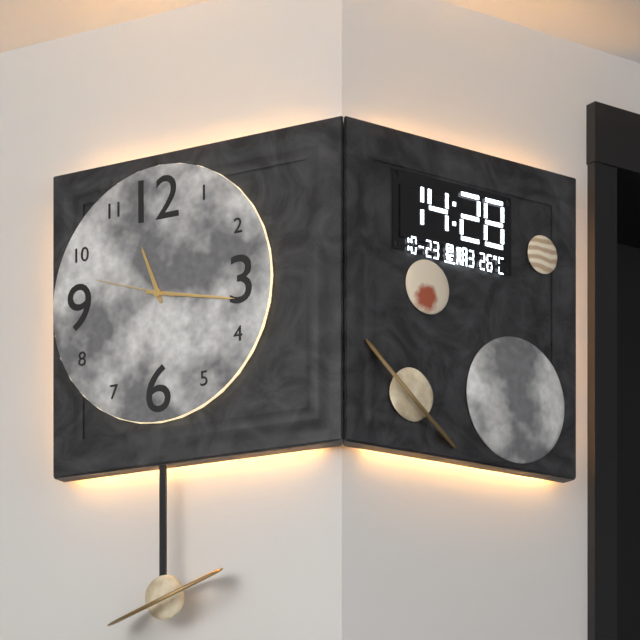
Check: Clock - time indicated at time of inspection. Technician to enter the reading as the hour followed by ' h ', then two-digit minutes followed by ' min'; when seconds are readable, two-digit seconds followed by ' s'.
11 h 17 min 48 s
